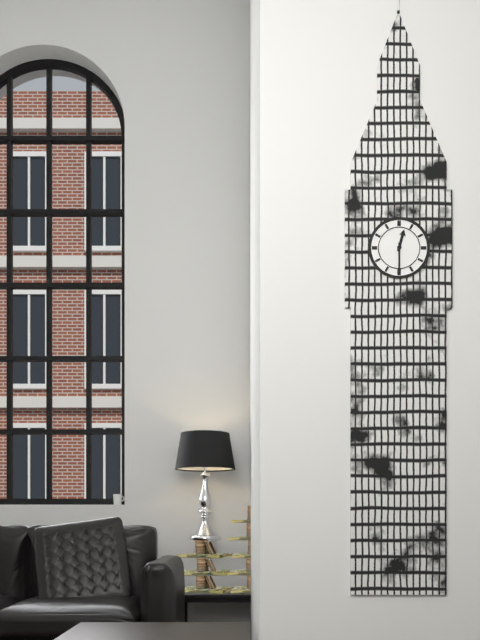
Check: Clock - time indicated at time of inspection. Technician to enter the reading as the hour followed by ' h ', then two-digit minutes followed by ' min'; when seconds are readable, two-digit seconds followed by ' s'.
12 h 30 min
